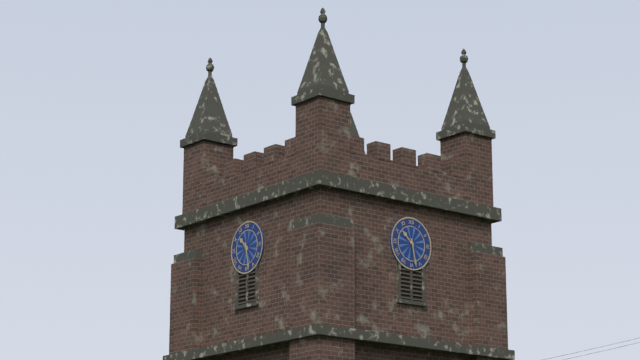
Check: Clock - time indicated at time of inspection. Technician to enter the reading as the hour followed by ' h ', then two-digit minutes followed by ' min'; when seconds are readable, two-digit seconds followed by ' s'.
10 h 28 min
